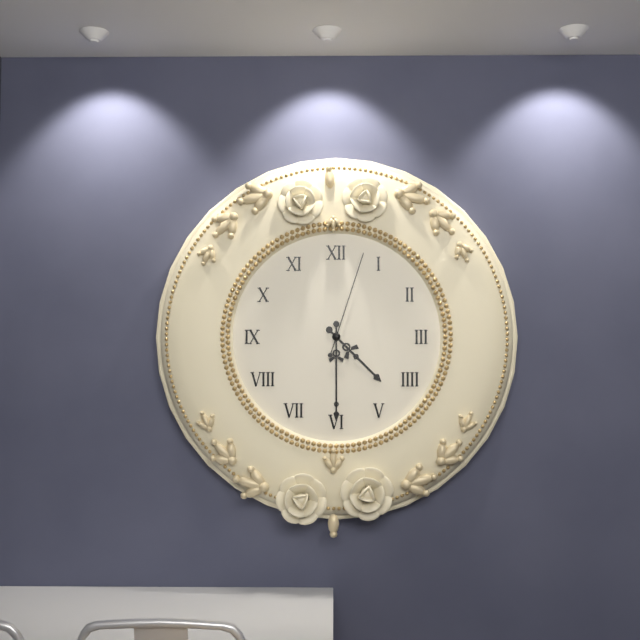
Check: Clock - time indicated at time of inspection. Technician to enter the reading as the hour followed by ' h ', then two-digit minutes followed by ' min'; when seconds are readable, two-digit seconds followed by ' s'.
4 h 30 min 03 s
